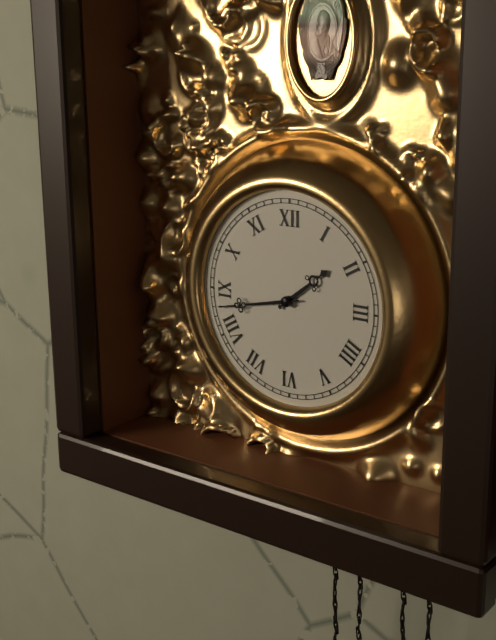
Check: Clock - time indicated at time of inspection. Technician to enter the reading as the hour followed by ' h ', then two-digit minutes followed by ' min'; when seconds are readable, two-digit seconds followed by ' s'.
1 h 43 min
